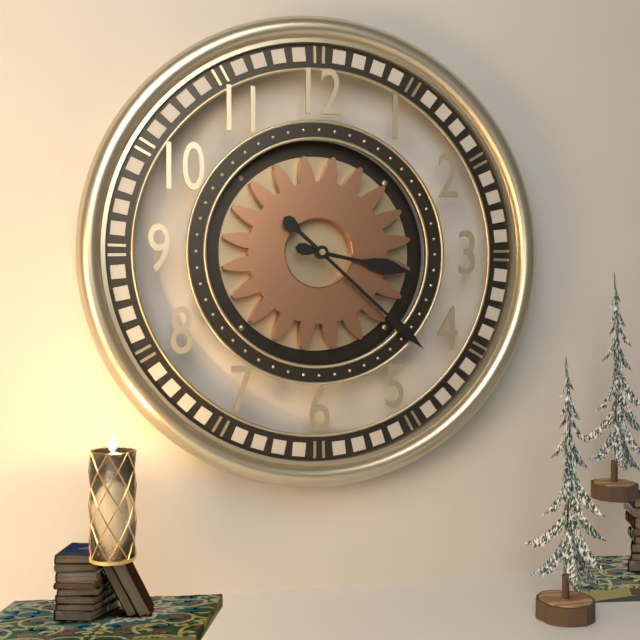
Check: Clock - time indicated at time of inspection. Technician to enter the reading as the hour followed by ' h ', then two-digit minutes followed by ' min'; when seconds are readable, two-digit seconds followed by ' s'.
3 h 22 min
